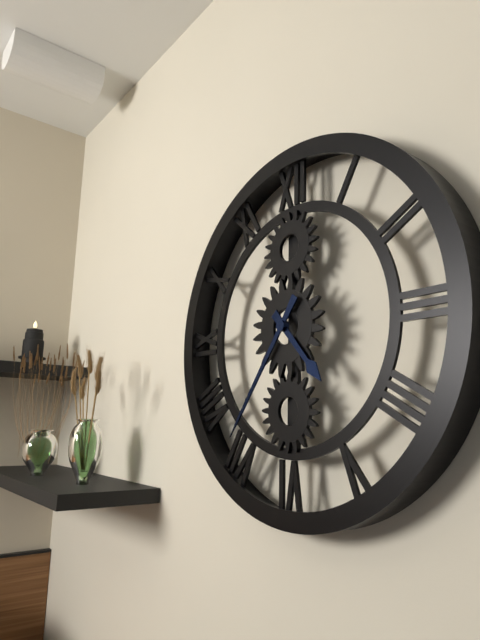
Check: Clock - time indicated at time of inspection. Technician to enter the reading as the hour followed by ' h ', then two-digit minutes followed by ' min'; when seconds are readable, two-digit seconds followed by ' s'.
4 h 36 min
